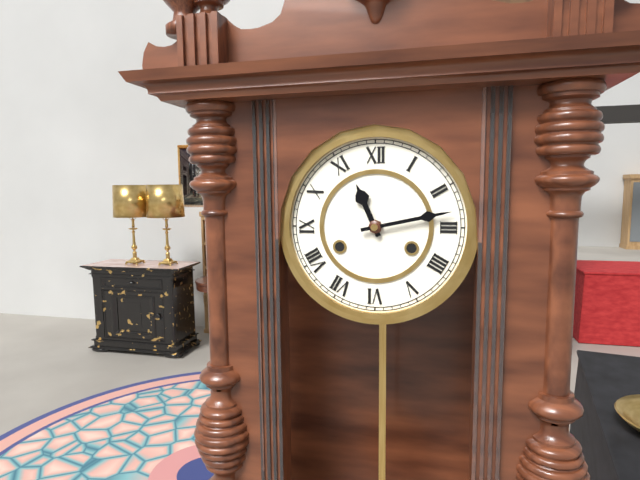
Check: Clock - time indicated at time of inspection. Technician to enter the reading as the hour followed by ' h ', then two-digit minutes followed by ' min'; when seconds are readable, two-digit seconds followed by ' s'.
11 h 13 min
